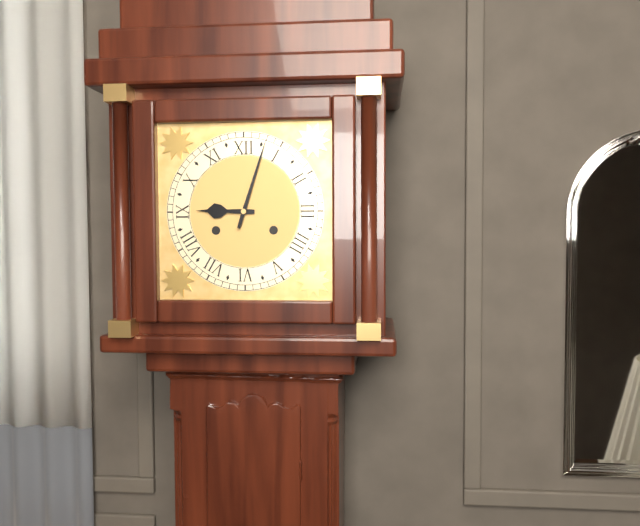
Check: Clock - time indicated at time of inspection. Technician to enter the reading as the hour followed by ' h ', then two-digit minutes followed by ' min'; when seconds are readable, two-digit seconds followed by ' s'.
9 h 03 min
